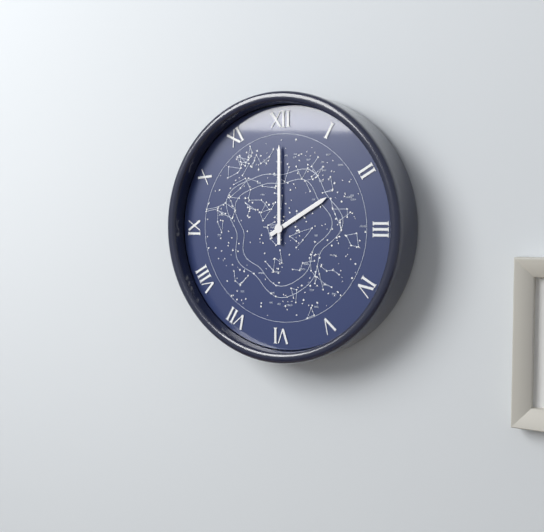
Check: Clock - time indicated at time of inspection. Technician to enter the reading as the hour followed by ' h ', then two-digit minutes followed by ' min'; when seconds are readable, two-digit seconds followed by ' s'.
2 h 00 min
